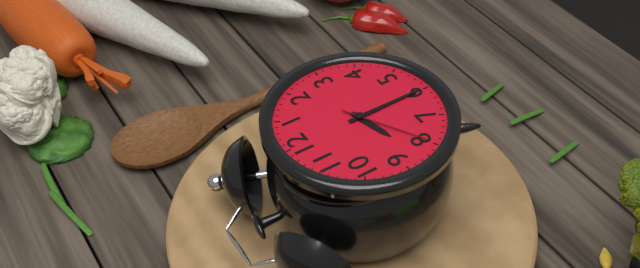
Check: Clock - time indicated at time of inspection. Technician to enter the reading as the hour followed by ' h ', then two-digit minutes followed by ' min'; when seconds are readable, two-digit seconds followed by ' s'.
8 h 30 min 40 s
